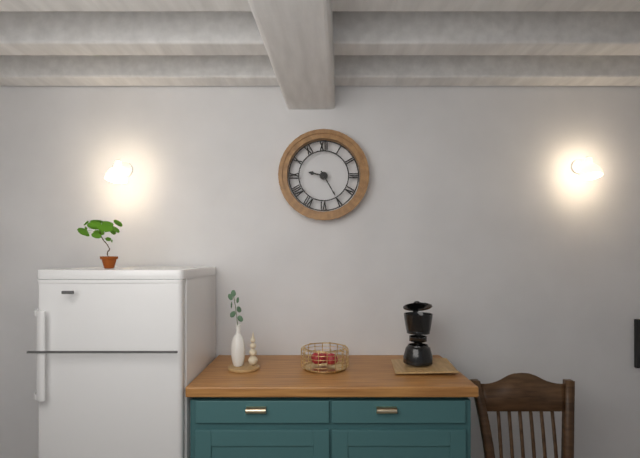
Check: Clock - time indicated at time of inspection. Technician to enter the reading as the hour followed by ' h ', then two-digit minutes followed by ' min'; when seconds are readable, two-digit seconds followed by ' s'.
9 h 25 min
